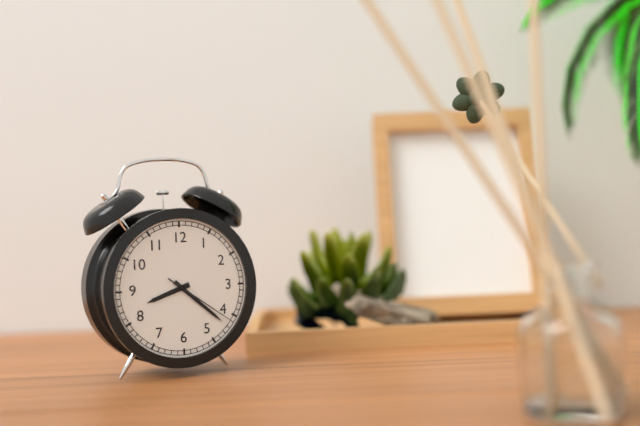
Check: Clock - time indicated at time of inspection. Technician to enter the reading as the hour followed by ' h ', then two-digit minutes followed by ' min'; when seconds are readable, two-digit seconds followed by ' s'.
8 h 22 min 21 s
